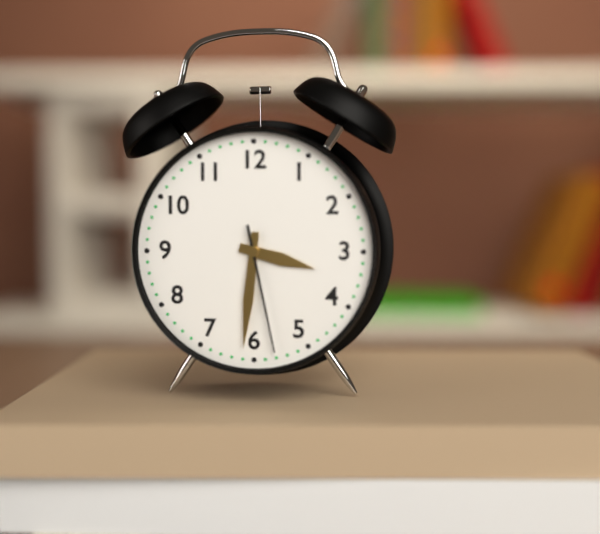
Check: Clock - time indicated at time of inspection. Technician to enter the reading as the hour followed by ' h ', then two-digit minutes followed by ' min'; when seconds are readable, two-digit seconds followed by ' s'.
3 h 31 min 28 s
